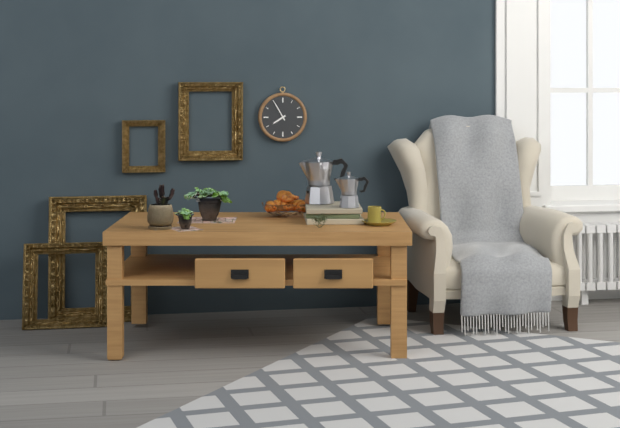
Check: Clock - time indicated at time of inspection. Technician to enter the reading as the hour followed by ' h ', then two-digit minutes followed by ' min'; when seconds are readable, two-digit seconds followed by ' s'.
7 h 55 min
